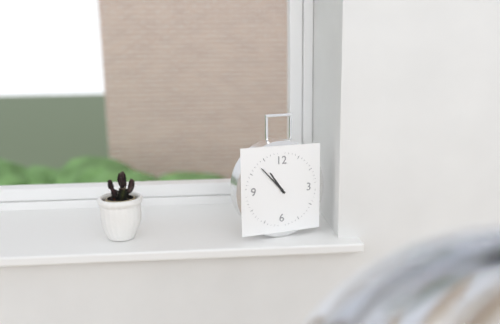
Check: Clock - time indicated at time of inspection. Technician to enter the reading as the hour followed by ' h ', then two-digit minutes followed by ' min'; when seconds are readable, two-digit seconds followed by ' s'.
10 h 53 min
